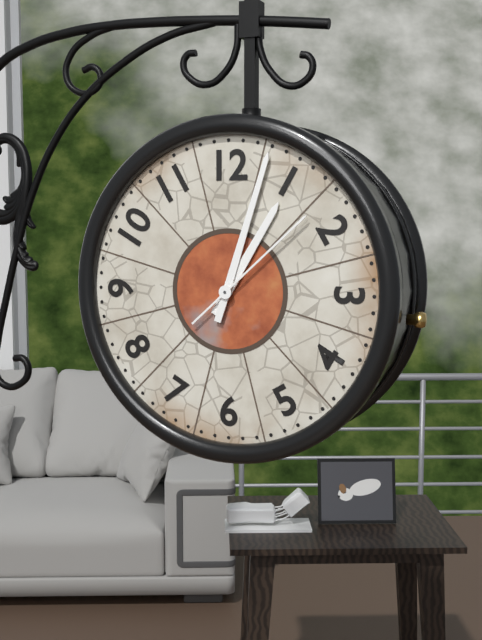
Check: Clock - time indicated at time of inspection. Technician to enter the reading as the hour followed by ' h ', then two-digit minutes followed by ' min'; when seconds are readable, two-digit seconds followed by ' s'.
1 h 03 min 08 s
